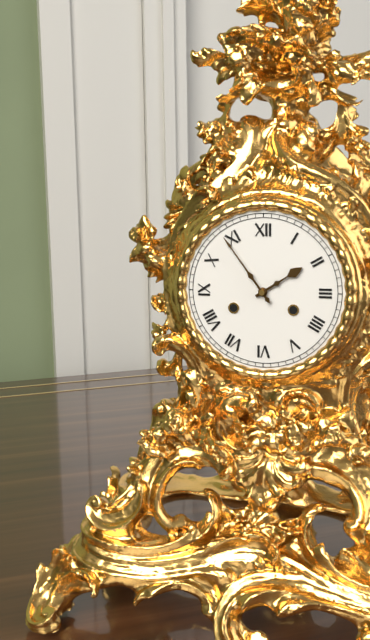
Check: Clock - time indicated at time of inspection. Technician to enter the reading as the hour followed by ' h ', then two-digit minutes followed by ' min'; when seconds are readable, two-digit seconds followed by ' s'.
1 h 54 min
